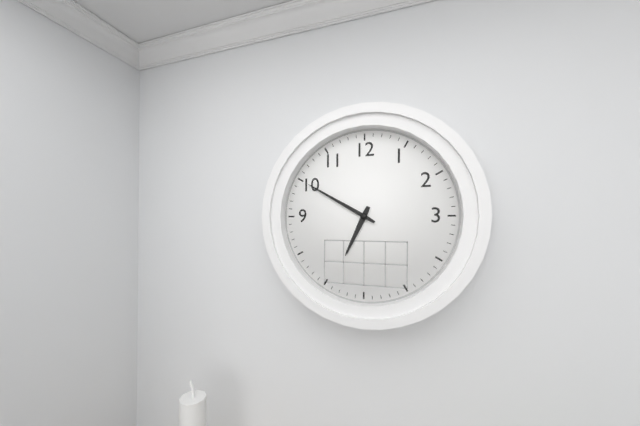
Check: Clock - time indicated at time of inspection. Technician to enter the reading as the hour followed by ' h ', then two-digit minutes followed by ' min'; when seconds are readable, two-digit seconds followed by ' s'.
6 h 50 min
